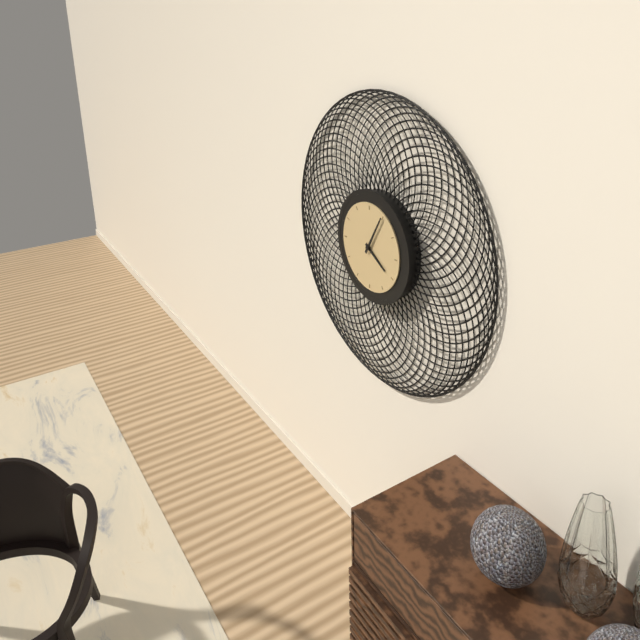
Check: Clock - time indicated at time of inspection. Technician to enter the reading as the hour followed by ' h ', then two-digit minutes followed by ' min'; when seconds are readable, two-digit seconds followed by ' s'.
4 h 05 min
